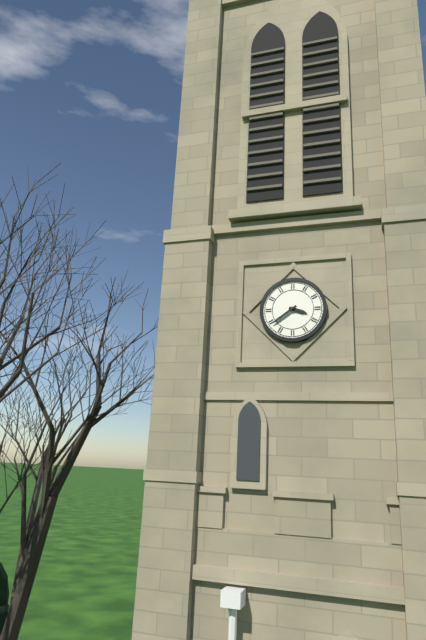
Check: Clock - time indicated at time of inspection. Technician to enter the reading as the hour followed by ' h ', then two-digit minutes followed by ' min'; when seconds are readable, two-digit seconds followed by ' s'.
3 h 39 min
